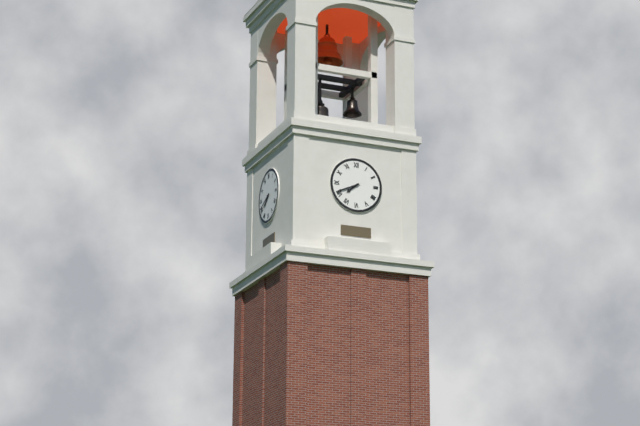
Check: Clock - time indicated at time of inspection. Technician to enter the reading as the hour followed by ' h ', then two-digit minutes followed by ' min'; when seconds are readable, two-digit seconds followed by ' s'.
7 h 41 min
